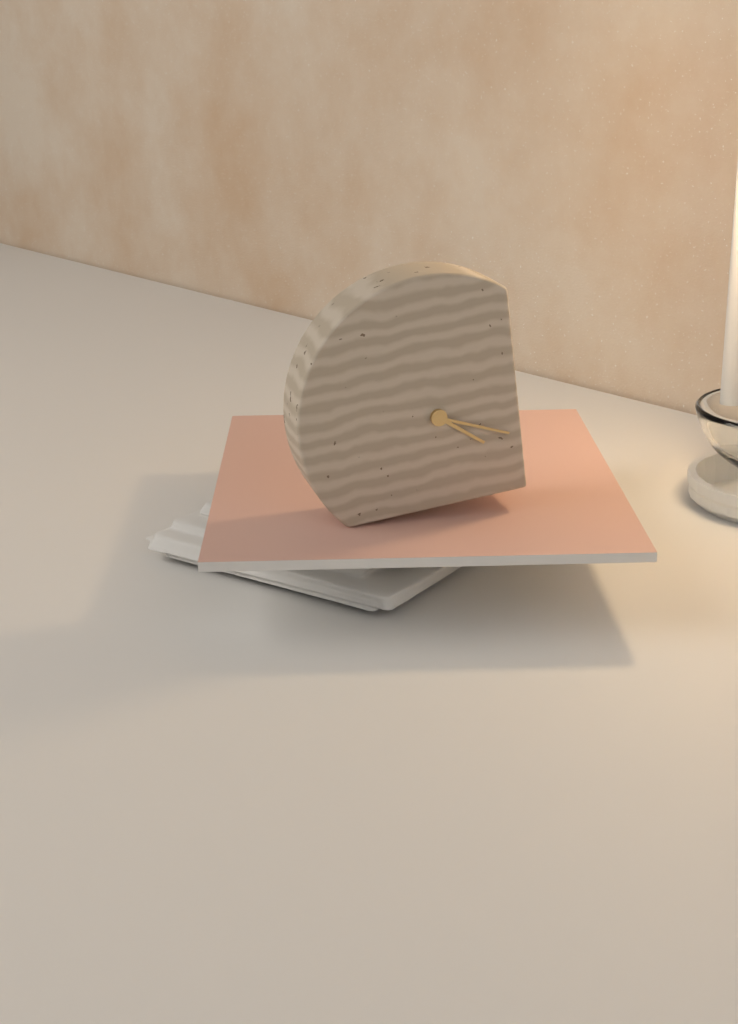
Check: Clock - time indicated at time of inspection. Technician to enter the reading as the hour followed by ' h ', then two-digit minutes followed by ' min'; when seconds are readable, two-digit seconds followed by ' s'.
4 h 19 min
